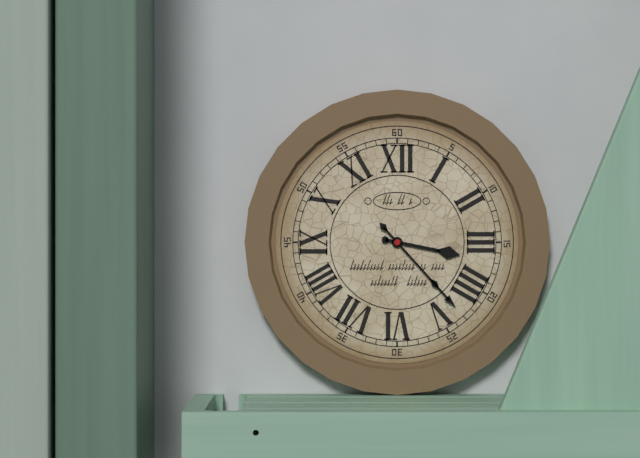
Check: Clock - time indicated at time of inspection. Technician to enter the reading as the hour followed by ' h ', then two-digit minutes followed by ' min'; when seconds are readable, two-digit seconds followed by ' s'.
3 h 23 min
